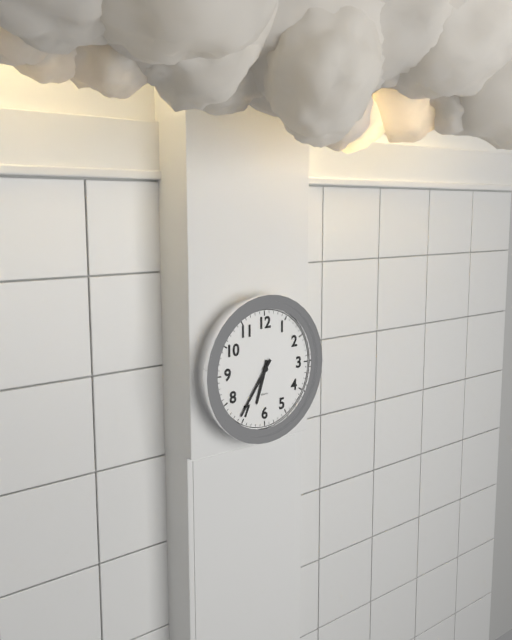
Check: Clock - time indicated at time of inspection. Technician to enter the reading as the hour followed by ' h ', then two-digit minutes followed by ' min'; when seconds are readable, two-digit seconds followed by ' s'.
6 h 36 min
